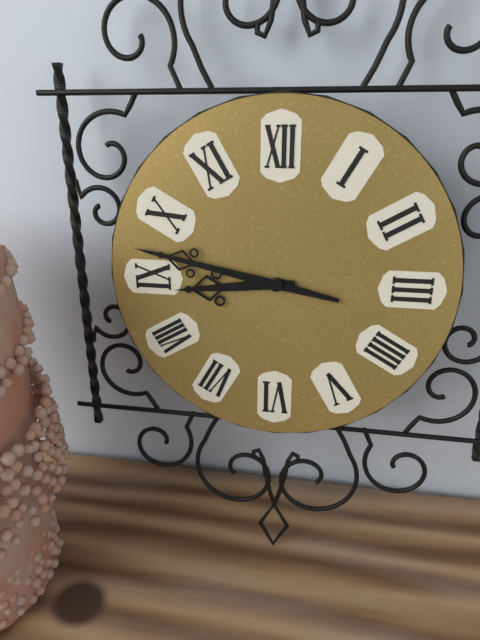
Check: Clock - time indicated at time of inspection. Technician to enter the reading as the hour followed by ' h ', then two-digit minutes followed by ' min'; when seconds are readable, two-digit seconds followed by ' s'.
8 h 47 min
